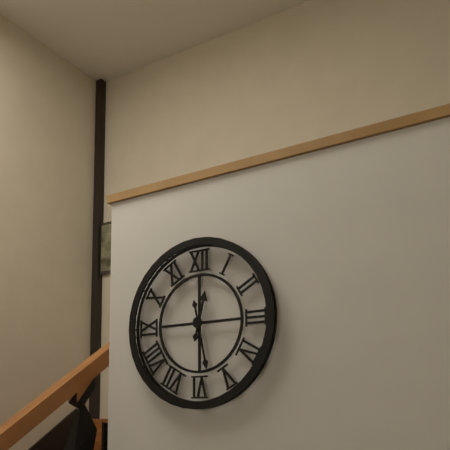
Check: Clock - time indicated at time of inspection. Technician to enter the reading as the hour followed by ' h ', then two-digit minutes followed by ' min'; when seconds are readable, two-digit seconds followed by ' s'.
12 h 28 min
